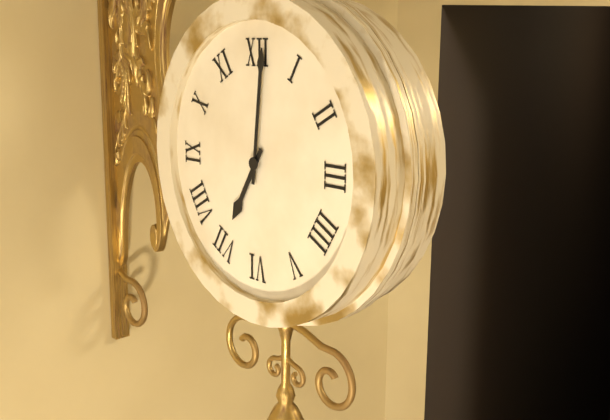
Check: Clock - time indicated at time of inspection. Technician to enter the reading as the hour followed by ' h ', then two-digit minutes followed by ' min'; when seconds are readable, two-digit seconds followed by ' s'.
7 h 01 min
